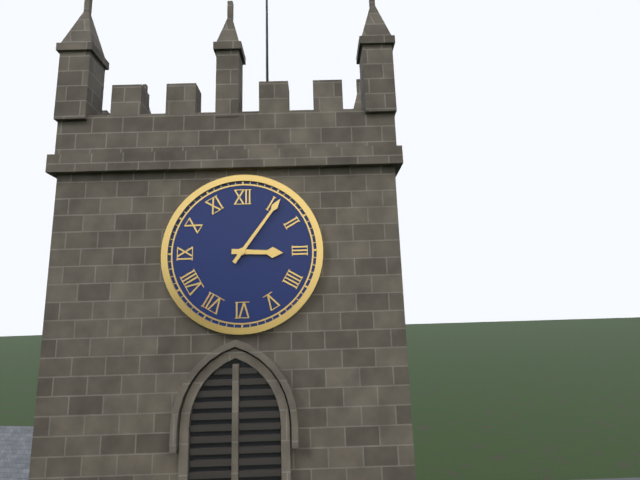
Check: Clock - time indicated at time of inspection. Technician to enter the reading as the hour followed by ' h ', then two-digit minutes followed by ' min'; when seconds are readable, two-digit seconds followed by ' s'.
3 h 06 min
